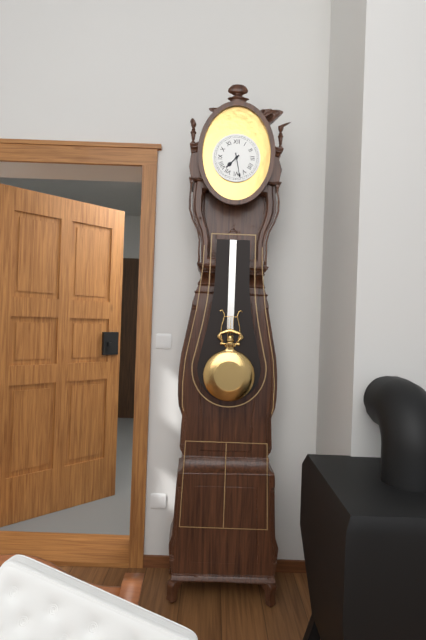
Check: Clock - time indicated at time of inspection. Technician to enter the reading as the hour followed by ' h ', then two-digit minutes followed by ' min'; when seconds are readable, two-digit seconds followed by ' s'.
7 h 28 min
